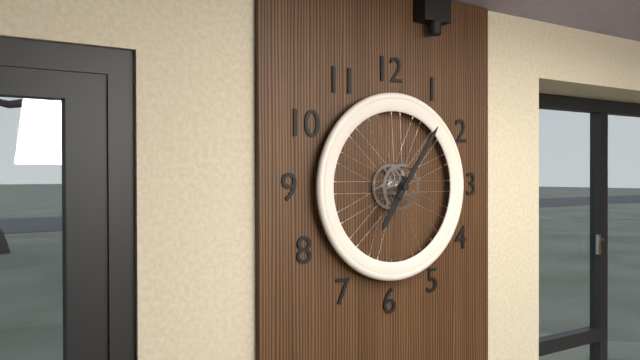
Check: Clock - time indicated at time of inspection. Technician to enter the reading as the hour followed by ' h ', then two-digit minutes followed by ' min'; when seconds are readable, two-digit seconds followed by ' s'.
7 h 06 min
